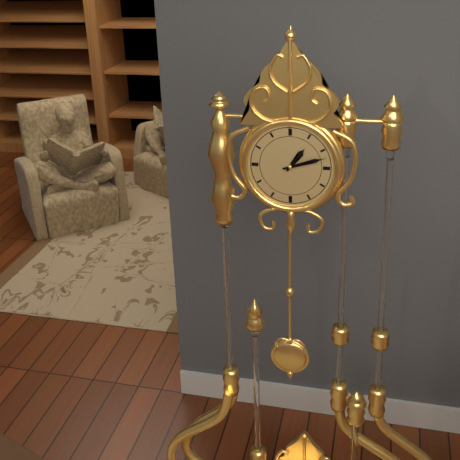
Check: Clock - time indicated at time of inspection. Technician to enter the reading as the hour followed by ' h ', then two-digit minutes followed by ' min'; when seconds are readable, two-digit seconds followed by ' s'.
1 h 12 min
